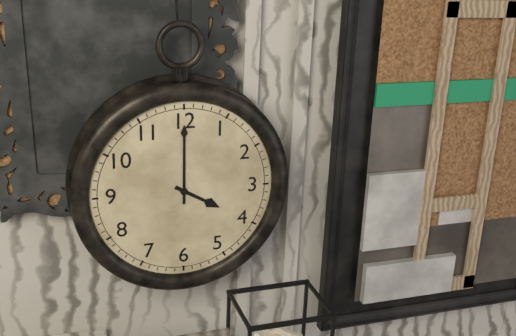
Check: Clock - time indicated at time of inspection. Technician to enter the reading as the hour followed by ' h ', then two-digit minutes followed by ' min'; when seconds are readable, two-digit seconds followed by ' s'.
4 h 00 min
